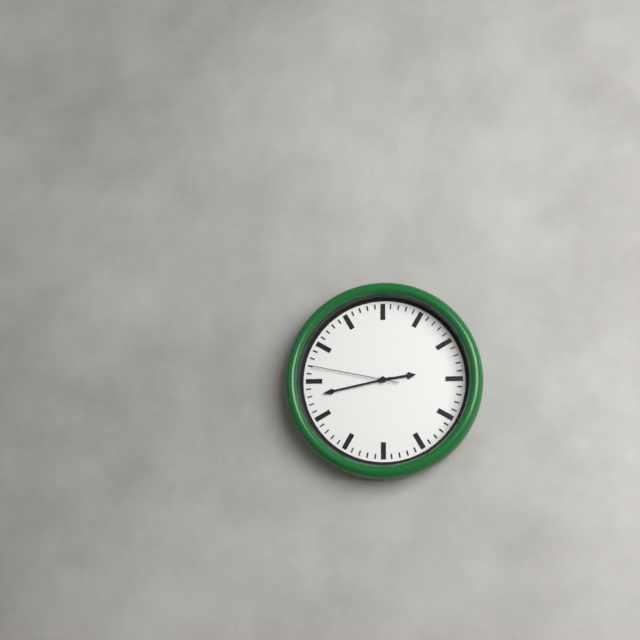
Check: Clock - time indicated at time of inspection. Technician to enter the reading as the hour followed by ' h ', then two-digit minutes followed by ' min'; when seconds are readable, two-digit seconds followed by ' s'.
2 h 43 min 47 s
